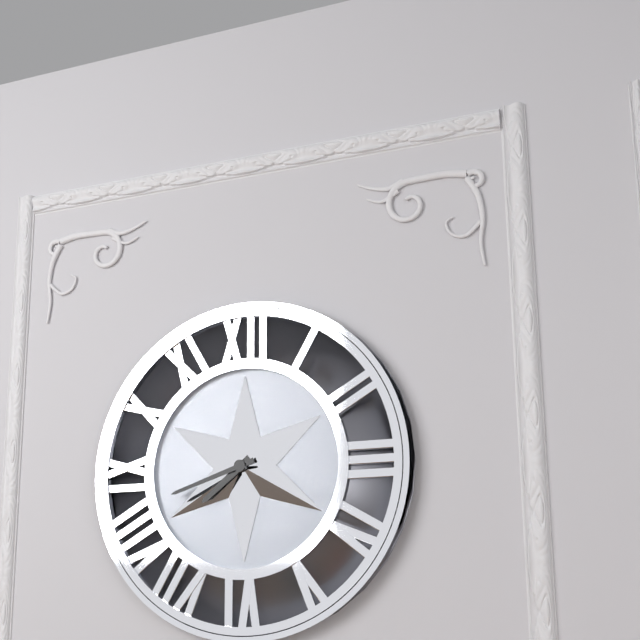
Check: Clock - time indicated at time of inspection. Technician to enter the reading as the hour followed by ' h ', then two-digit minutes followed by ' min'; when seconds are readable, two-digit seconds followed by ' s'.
7 h 42 min
